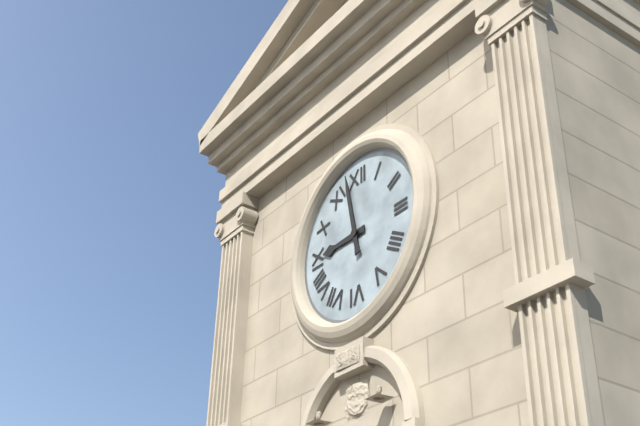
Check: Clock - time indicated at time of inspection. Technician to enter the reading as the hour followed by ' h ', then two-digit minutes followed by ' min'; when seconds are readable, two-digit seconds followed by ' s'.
8 h 58 min
